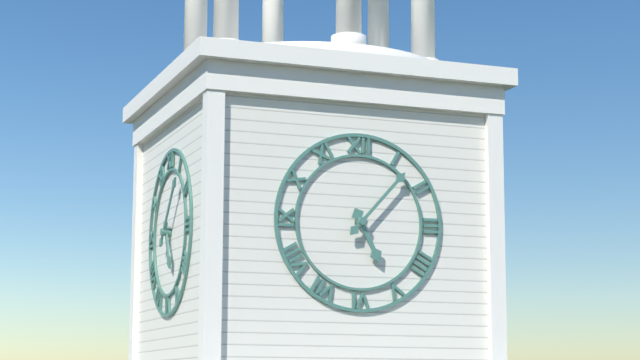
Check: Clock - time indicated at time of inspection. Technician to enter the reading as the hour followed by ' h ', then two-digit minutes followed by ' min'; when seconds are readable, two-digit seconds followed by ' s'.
5 h 07 min
